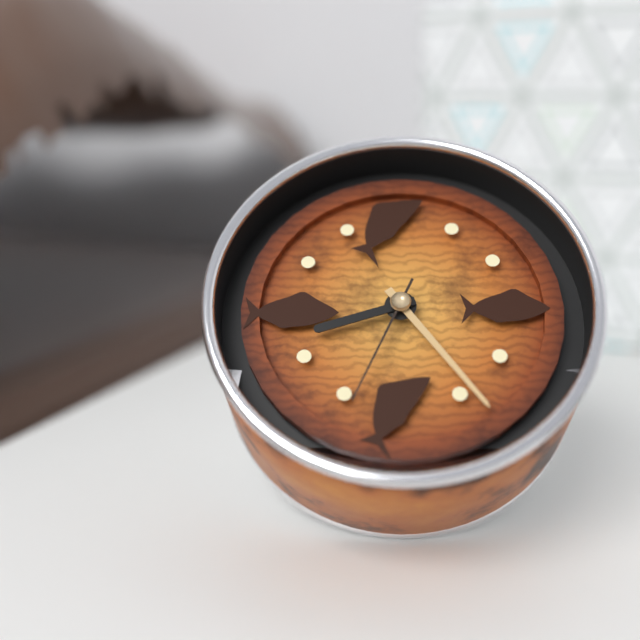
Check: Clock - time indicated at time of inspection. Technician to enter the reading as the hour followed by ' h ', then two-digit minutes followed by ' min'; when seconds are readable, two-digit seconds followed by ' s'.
8 h 24 min 34 s
